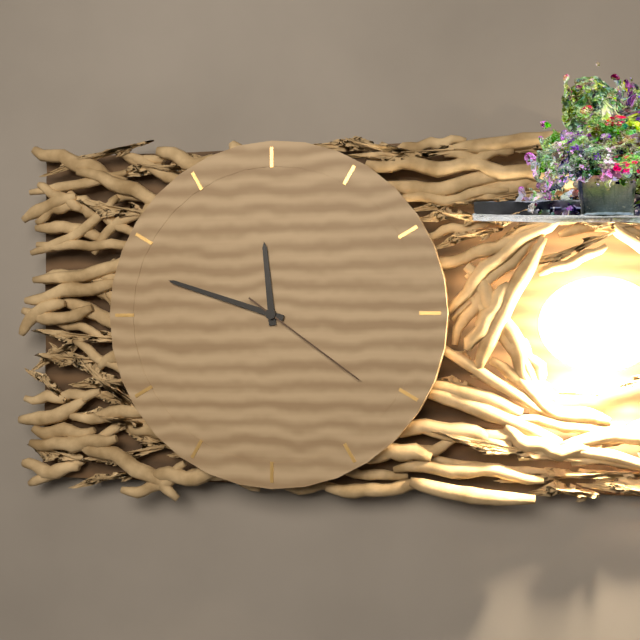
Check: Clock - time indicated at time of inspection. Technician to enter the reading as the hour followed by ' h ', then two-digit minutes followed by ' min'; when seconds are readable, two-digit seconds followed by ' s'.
11 h 48 min 21 s
